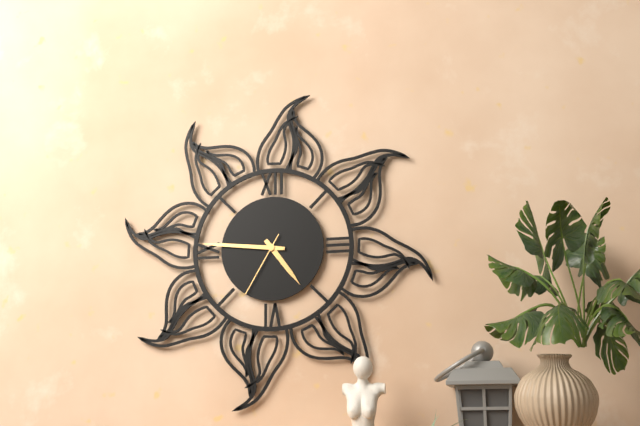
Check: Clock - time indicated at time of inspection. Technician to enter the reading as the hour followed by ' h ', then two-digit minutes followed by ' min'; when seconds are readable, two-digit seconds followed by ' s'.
4 h 46 min 35 s
